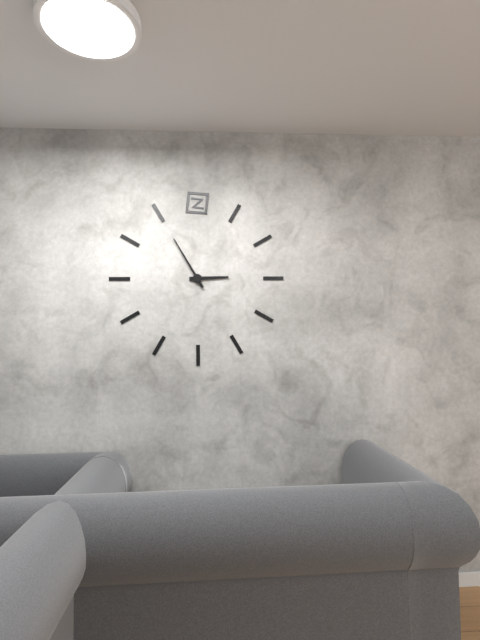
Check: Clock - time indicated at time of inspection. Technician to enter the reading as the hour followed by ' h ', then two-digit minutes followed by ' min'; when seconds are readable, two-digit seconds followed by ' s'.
2 h 55 min
